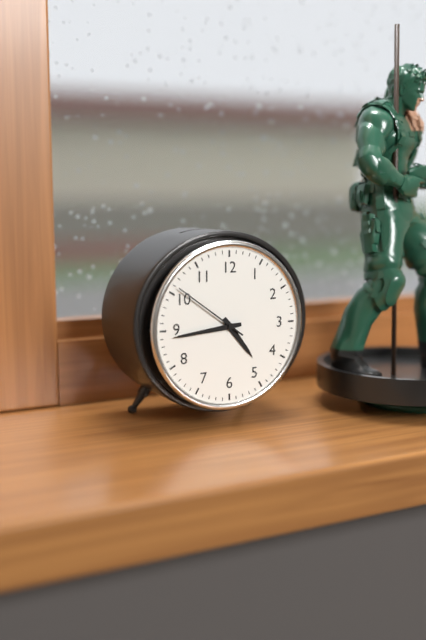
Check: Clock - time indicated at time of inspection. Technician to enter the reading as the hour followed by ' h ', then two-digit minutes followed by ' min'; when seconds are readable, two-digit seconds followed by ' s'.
4 h 44 min 51 s
